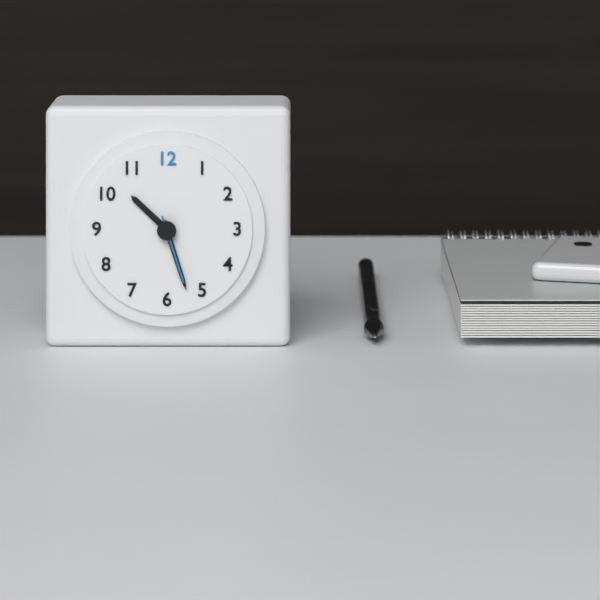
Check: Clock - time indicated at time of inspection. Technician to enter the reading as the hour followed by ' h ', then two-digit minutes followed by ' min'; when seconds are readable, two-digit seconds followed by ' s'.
10 h 27 min 27 s
